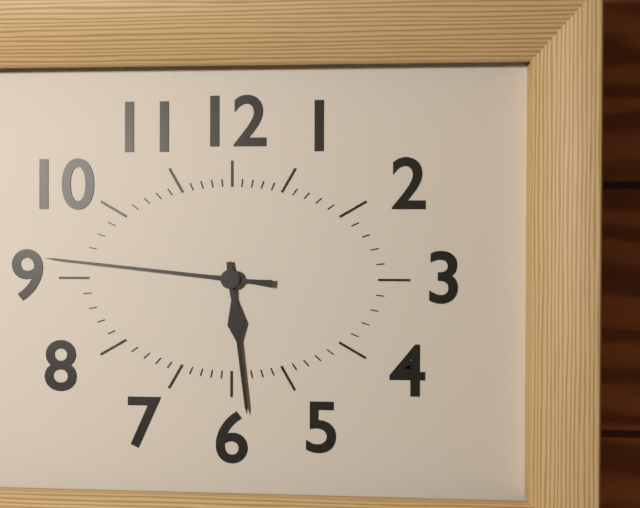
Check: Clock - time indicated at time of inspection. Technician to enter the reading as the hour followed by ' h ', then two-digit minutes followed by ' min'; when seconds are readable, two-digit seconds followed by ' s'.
5 h 46 min
